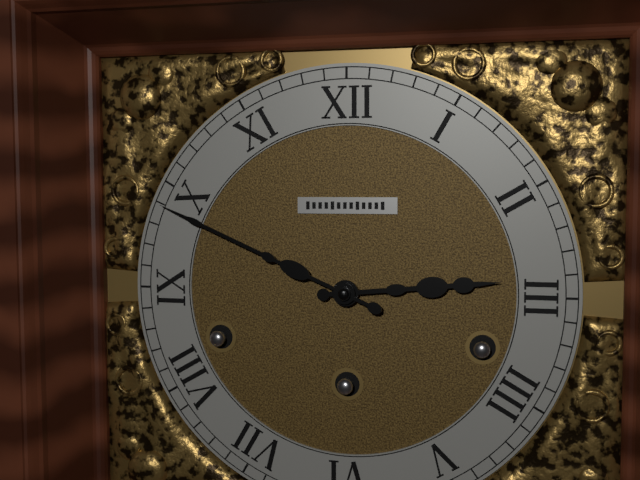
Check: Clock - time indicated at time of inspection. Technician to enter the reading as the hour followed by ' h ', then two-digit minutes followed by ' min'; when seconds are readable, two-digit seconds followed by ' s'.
2 h 49 min
